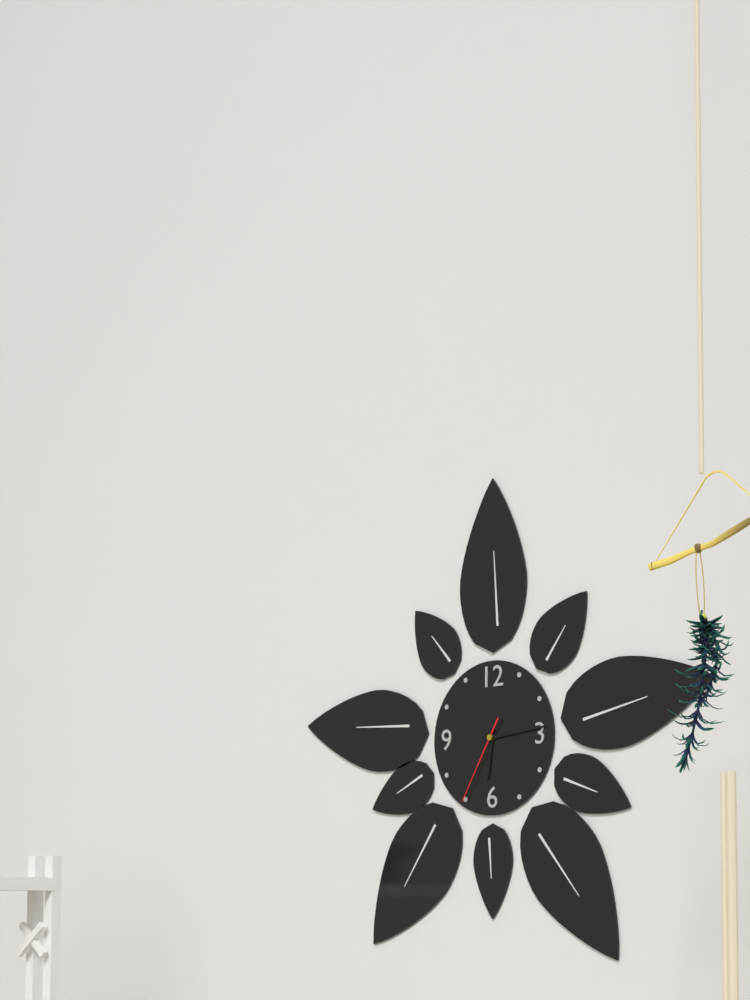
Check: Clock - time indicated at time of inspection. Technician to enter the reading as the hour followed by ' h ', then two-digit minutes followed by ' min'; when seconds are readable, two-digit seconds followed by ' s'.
6 h 14 min 35 s
